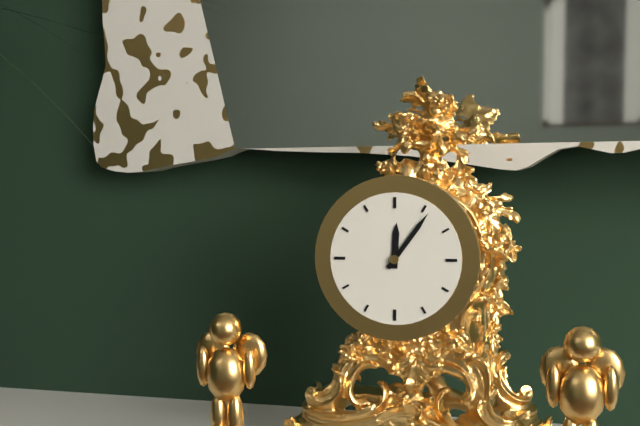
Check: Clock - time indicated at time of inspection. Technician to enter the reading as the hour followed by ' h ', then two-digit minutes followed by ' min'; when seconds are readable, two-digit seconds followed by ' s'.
12 h 06 min
